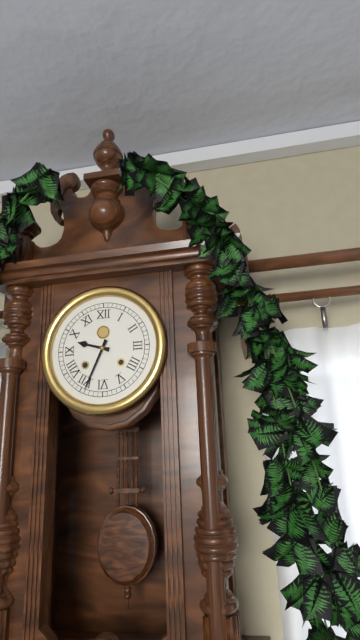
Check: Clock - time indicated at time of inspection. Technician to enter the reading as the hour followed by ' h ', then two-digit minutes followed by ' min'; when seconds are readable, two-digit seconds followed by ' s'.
9 h 34 min
